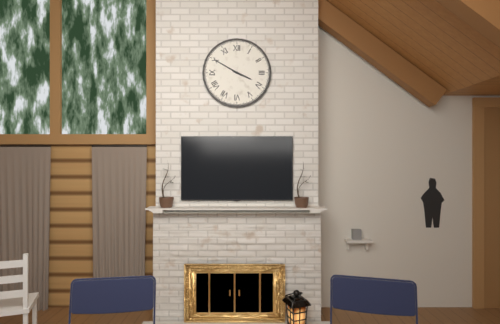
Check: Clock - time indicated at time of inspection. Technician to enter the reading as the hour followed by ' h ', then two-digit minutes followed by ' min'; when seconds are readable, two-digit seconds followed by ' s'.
3 h 50 min
